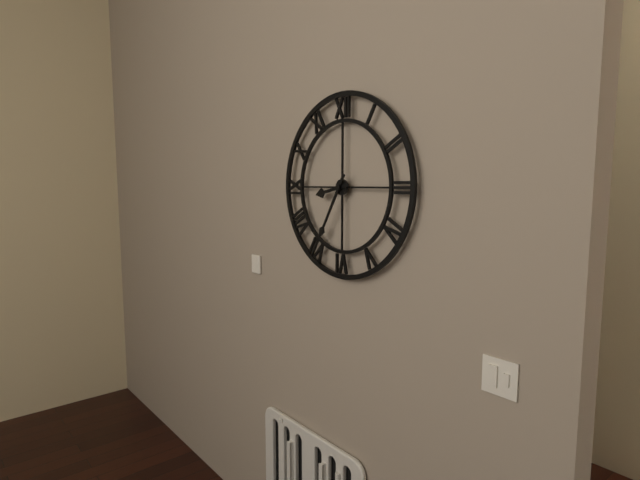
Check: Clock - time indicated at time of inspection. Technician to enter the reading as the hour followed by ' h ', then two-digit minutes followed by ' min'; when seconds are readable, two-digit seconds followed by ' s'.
8 h 35 min
